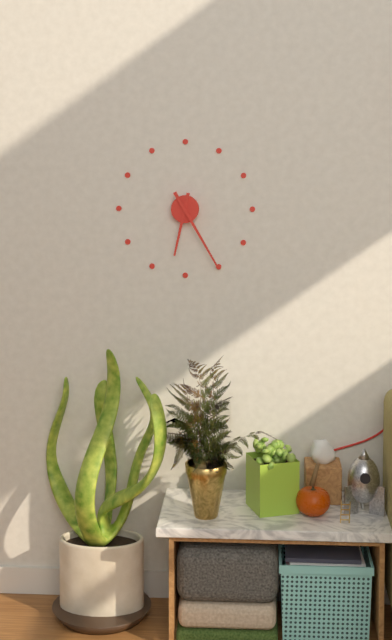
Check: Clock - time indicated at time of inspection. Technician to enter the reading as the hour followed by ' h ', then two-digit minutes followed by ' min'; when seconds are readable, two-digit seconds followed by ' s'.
6 h 25 min
